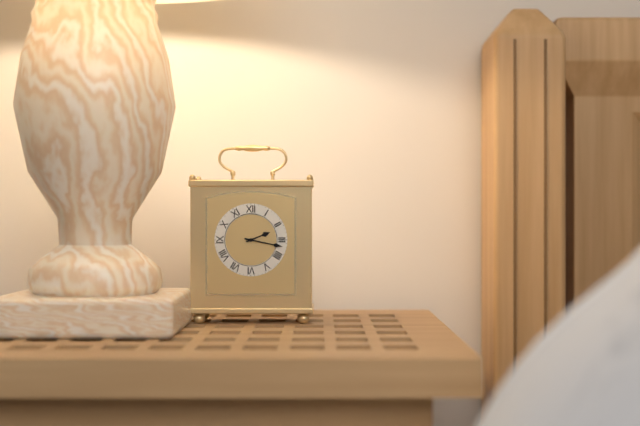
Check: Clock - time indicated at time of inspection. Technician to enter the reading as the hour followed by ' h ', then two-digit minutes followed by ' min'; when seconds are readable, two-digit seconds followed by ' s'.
2 h 17 min
